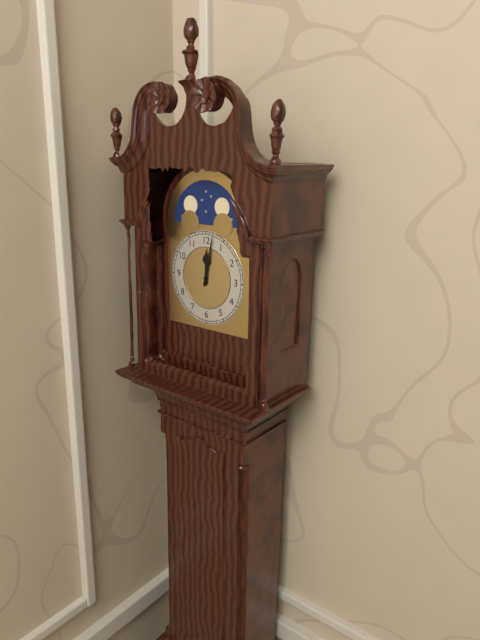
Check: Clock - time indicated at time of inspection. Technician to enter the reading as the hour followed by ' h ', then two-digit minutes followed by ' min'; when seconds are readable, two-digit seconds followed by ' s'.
12 h 02 min
